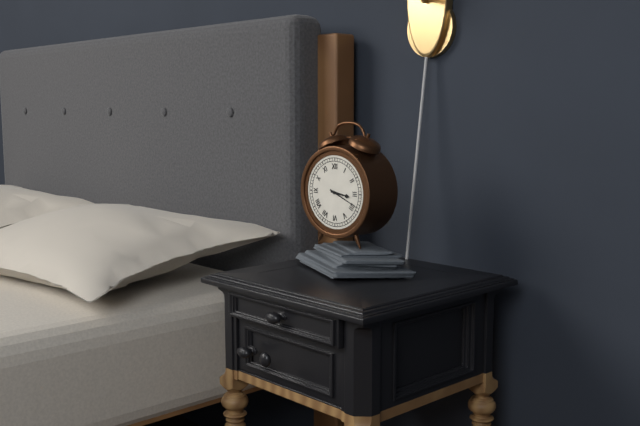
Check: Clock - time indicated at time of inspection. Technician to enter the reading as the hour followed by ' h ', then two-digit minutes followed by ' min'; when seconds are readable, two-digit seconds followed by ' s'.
3 h 19 min
